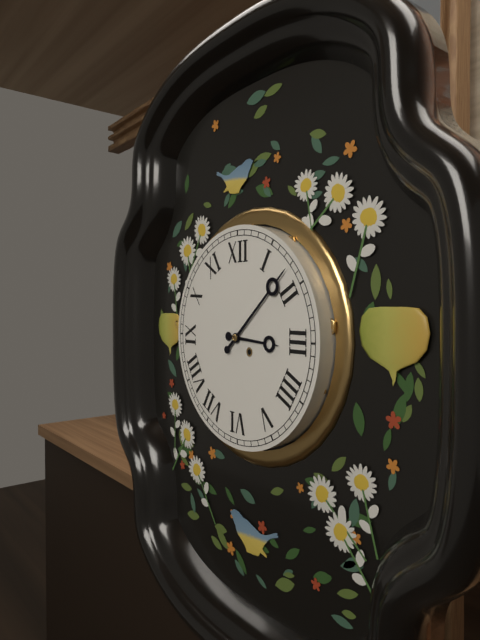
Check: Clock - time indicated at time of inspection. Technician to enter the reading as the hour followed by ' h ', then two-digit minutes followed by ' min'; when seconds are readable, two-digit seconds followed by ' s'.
3 h 08 min
